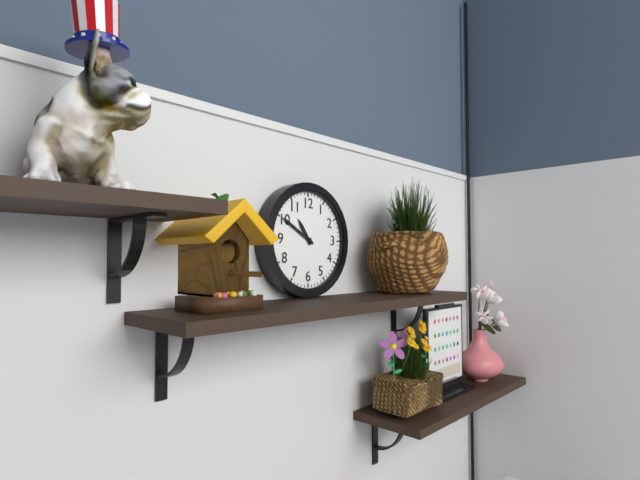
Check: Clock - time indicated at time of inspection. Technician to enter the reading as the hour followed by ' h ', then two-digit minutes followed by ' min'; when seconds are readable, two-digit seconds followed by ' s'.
10 h 50 min
